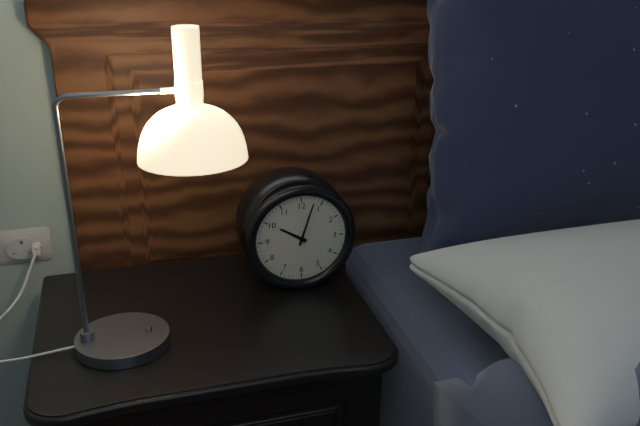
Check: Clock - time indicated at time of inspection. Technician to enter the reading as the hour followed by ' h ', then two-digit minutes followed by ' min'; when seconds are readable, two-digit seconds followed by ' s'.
10 h 03 min
